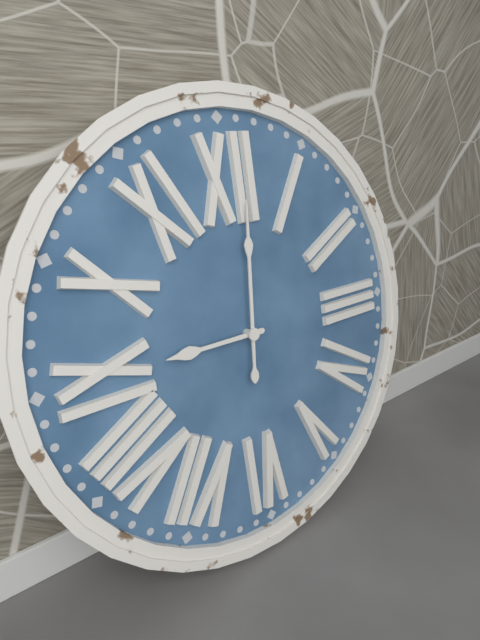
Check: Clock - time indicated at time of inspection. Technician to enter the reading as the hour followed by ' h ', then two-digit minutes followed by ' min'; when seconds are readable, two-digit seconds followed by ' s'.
9 h 01 min
